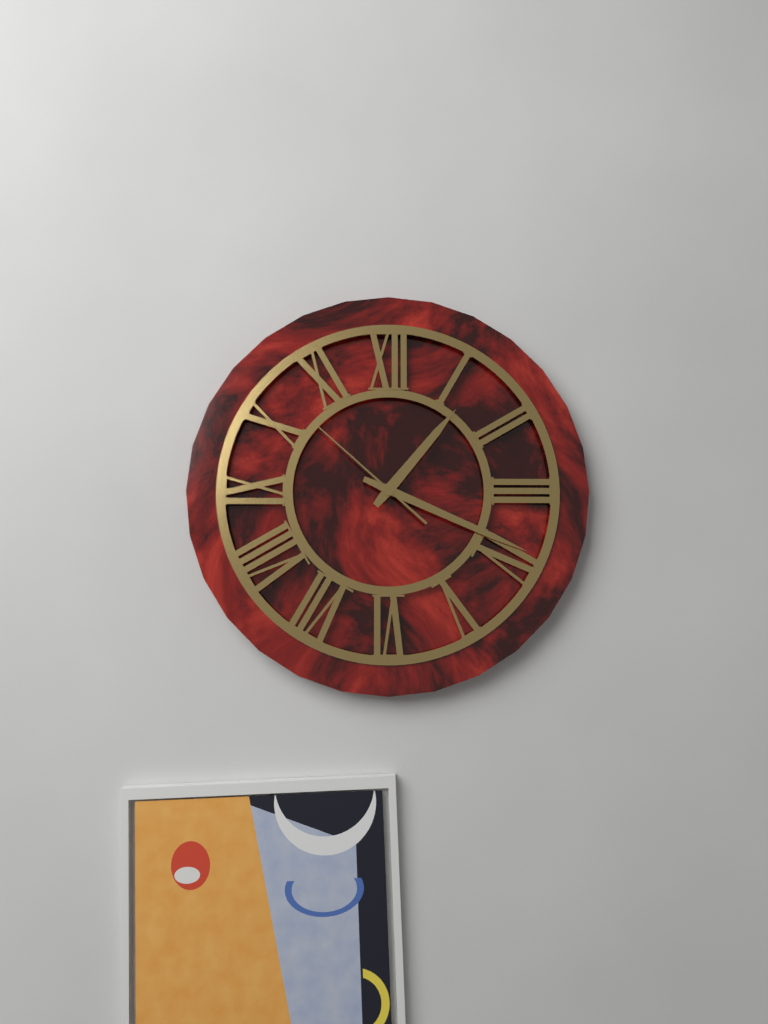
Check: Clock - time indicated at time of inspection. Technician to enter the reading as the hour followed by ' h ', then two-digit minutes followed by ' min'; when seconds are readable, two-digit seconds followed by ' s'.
1 h 19 min 52 s
